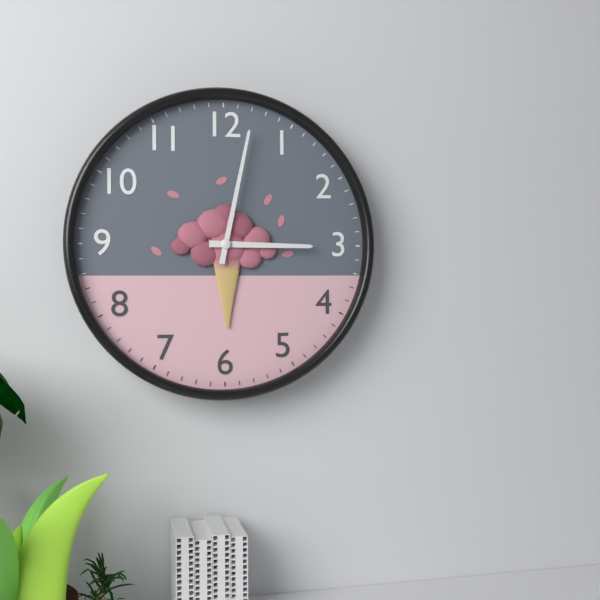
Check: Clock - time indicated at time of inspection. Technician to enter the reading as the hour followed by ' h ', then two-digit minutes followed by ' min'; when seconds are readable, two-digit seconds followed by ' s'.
3 h 02 min
